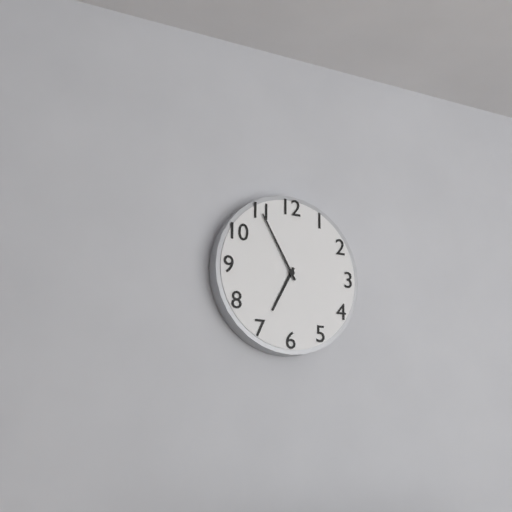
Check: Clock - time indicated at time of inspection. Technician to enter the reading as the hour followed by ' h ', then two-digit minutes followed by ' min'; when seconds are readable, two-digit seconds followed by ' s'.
6 h 55 min
